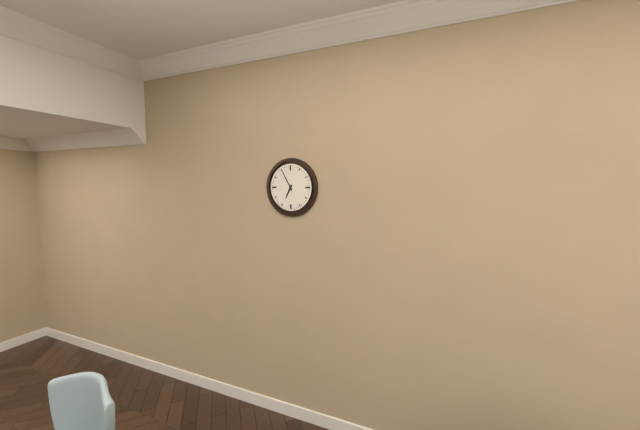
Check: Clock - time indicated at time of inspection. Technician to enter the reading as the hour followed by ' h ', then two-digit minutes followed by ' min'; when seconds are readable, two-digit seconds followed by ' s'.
6 h 55 min
